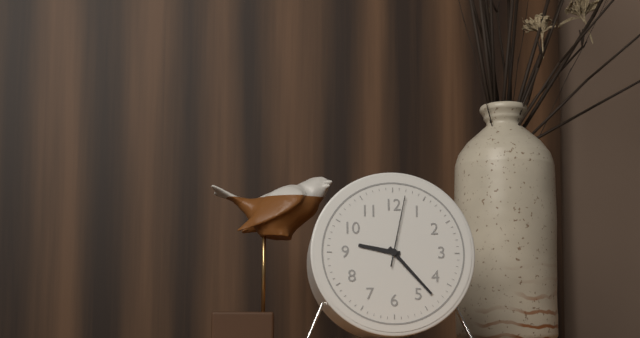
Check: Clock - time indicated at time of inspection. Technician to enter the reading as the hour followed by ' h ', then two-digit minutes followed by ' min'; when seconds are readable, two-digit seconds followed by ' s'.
9 h 23 min 02 s
